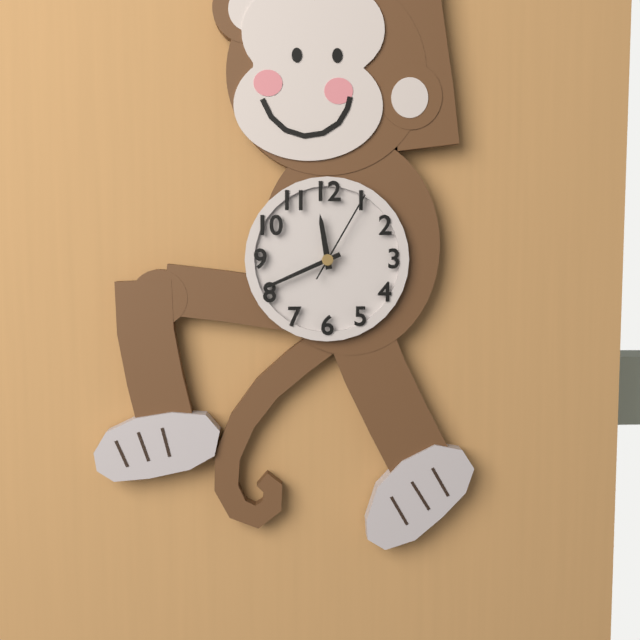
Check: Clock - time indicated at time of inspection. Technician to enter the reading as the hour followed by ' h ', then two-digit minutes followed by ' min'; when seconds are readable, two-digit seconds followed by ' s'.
11 h 41 min 05 s
